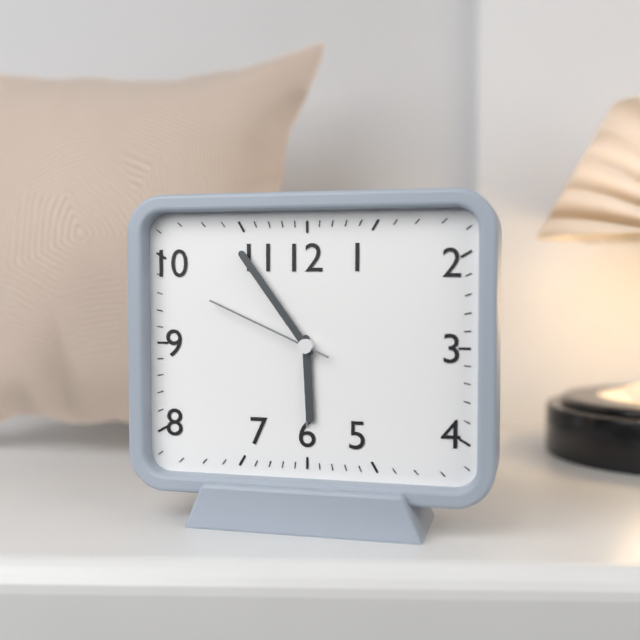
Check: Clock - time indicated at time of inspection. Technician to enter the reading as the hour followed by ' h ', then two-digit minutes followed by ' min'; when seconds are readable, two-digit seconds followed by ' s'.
5 h 54 min 49 s
